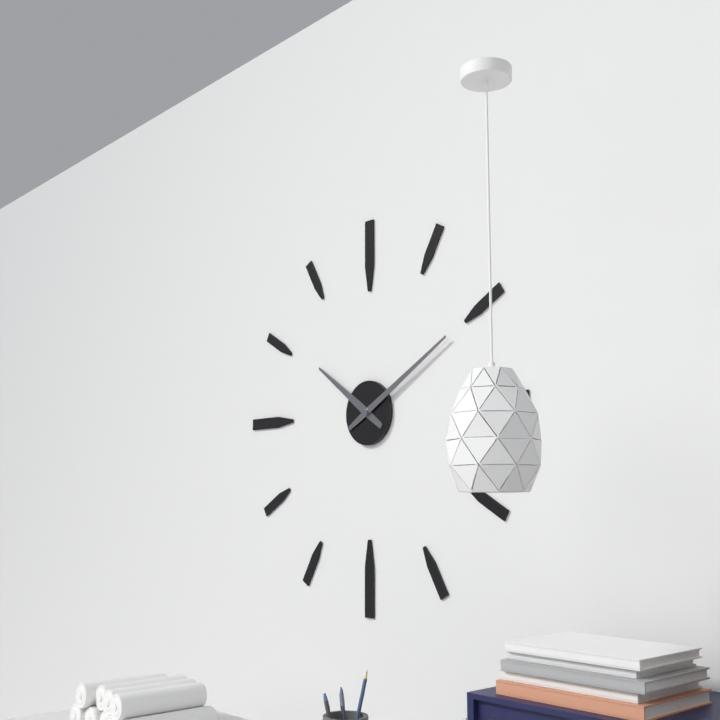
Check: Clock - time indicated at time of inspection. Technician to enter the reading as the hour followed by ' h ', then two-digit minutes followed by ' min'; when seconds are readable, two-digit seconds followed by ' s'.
10 h 10 min
